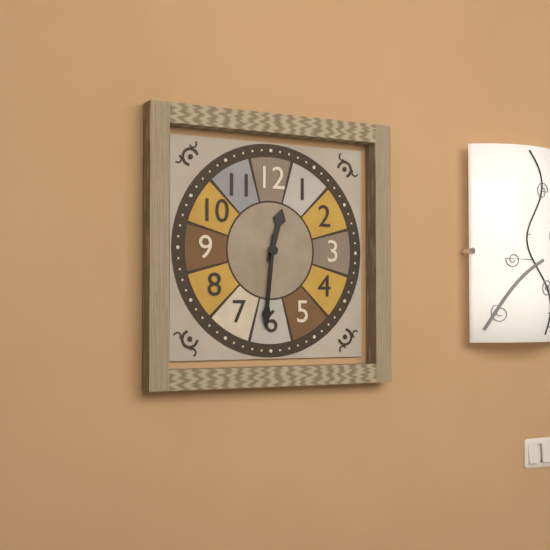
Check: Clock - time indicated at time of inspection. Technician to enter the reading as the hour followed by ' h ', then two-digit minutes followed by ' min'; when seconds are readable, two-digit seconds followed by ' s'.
12 h 31 min
